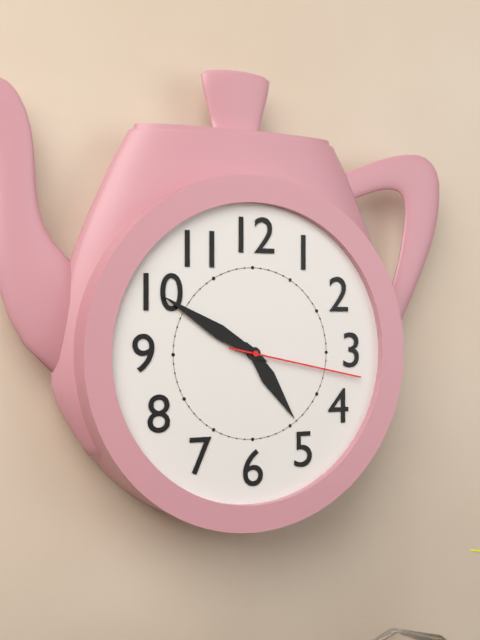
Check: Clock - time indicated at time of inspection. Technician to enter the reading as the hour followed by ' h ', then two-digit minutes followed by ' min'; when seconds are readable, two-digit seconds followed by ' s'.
4 h 50 min 17 s
